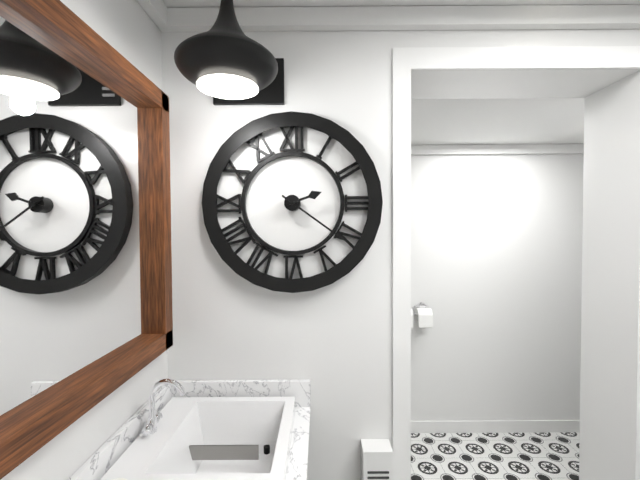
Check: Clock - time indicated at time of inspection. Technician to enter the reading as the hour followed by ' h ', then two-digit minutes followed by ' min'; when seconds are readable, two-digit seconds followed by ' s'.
2 h 21 min
